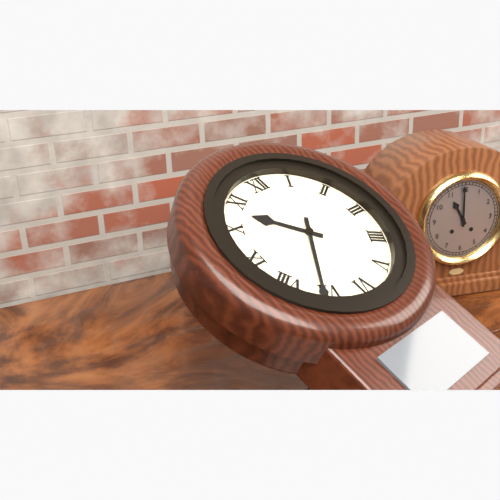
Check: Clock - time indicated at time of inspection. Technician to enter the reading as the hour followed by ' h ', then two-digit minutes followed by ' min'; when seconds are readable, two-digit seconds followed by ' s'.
10 h 36 min
